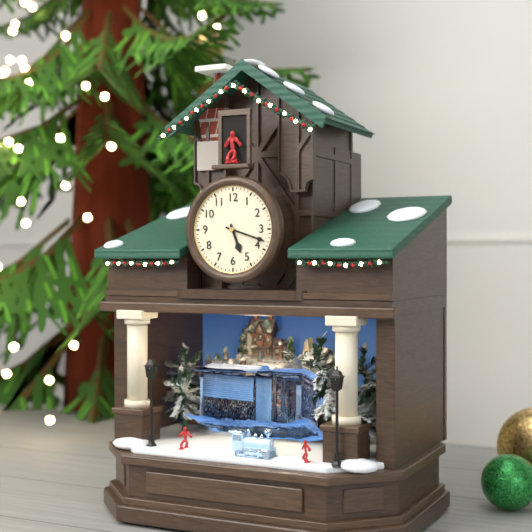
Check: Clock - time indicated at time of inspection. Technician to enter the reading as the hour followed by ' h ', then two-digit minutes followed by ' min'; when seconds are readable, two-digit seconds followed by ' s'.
5 h 18 min
